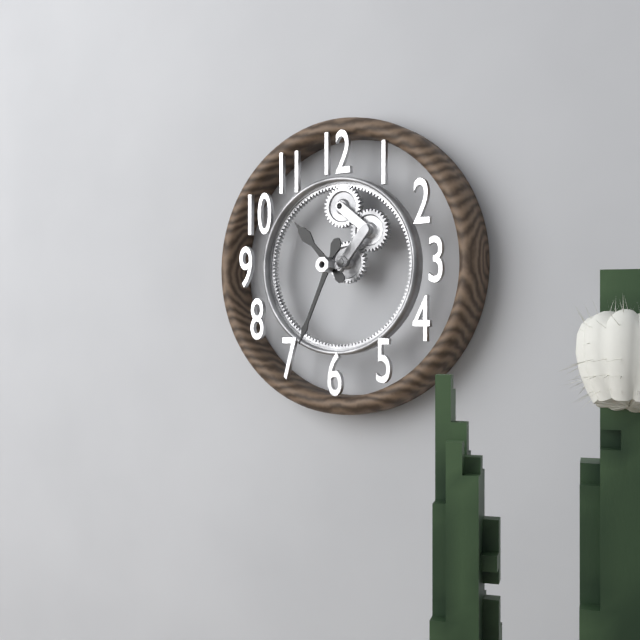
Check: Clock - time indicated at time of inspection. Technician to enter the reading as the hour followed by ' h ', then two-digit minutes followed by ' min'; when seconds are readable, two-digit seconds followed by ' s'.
10 h 34 min
